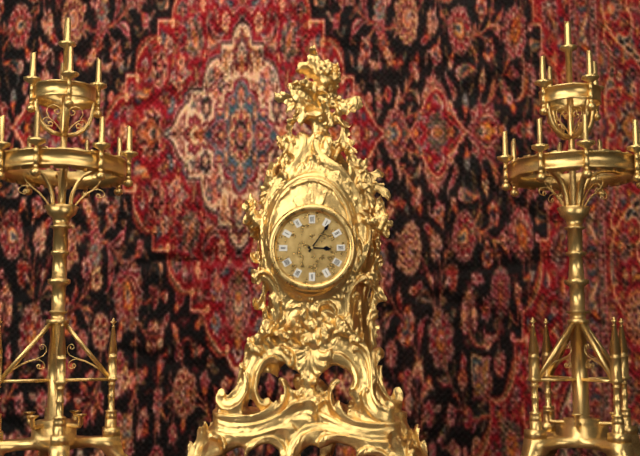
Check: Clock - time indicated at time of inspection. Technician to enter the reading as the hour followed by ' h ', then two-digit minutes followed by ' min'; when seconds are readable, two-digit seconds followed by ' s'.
3 h 06 min
